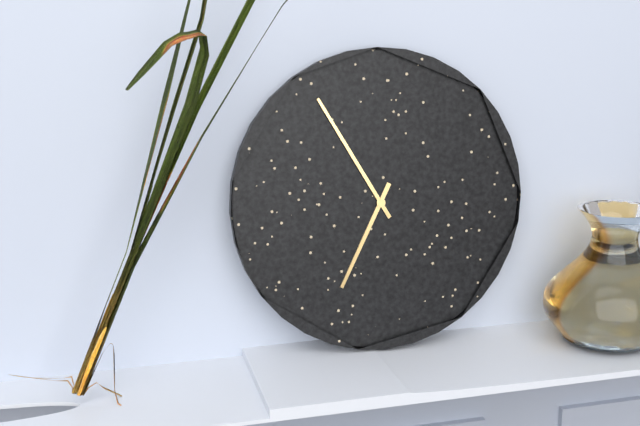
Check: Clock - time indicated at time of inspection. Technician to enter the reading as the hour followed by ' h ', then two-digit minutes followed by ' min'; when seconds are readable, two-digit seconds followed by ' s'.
6 h 55 min
